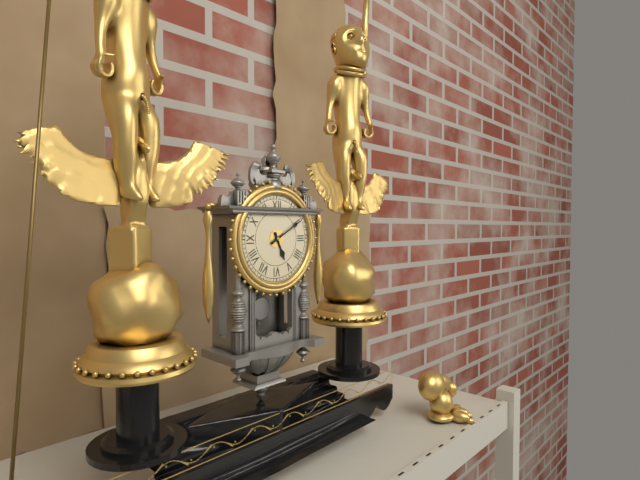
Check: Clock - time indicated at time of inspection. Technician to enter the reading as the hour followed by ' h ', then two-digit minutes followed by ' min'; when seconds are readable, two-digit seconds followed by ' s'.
5 h 10 min
